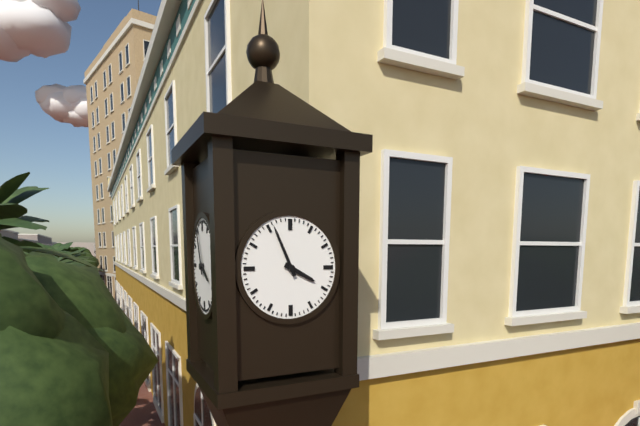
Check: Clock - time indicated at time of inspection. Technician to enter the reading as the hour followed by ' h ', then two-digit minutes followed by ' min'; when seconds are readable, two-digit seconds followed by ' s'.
3 h 56 min
